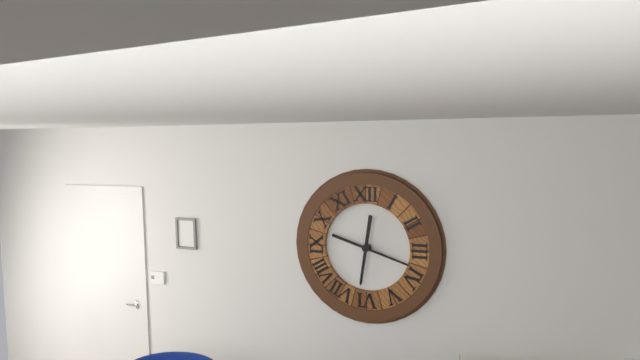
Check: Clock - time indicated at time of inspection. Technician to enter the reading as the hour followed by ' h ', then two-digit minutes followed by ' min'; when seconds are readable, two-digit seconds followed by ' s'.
6 h 18 min
